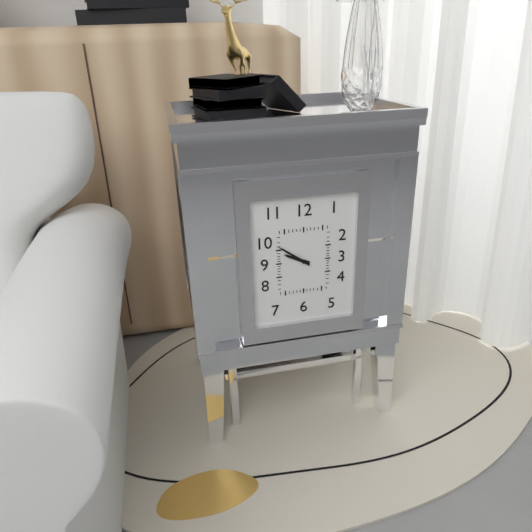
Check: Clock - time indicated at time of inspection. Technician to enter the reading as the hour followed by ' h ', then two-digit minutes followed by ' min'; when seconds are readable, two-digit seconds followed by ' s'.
9 h 51 min
